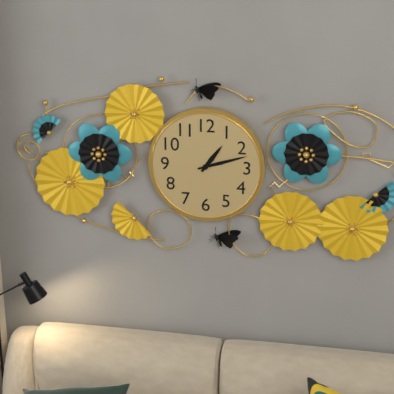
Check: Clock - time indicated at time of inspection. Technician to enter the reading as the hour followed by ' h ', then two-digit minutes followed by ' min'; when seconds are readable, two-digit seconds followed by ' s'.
1 h 12 min
